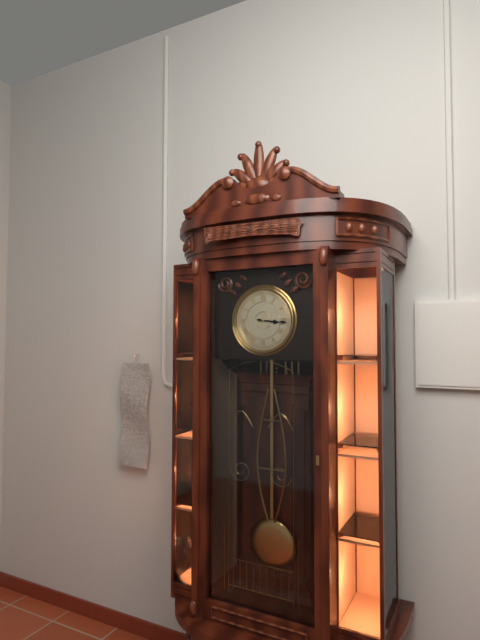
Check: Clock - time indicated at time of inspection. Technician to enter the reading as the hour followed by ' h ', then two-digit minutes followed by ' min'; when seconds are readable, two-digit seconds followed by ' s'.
3 h 16 min
